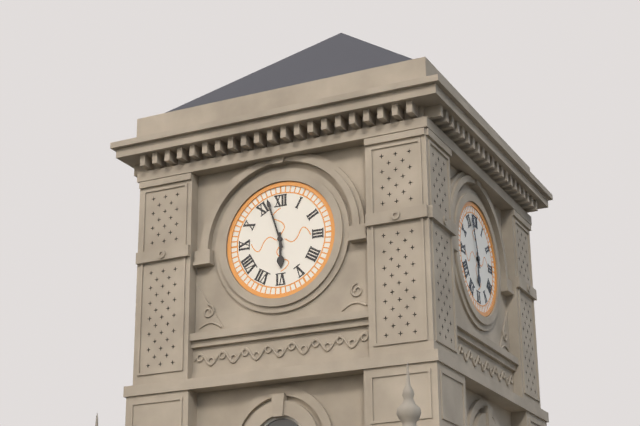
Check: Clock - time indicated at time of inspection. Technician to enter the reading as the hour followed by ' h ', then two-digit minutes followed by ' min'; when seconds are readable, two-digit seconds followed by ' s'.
5 h 57 min
